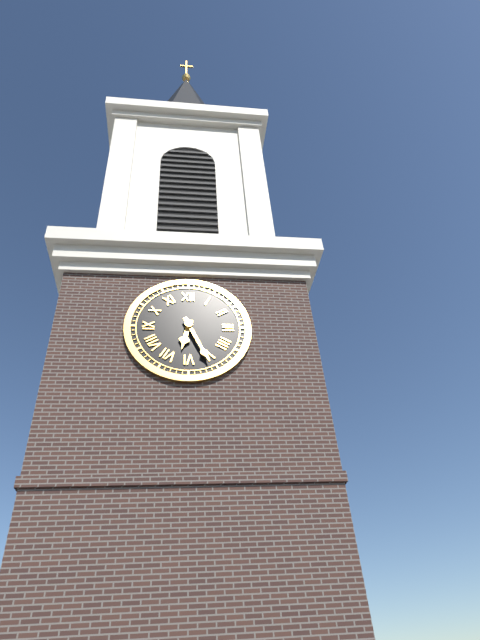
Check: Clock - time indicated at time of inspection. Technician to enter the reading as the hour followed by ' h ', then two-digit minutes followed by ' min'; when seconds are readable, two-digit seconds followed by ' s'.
6 h 26 min
